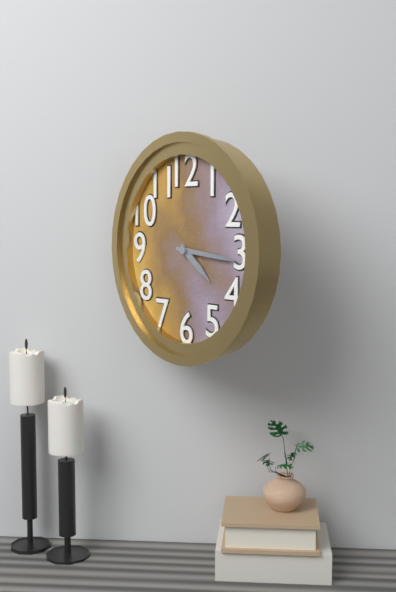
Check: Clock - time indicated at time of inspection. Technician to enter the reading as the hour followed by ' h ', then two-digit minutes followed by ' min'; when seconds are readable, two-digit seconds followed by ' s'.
4 h 16 min
